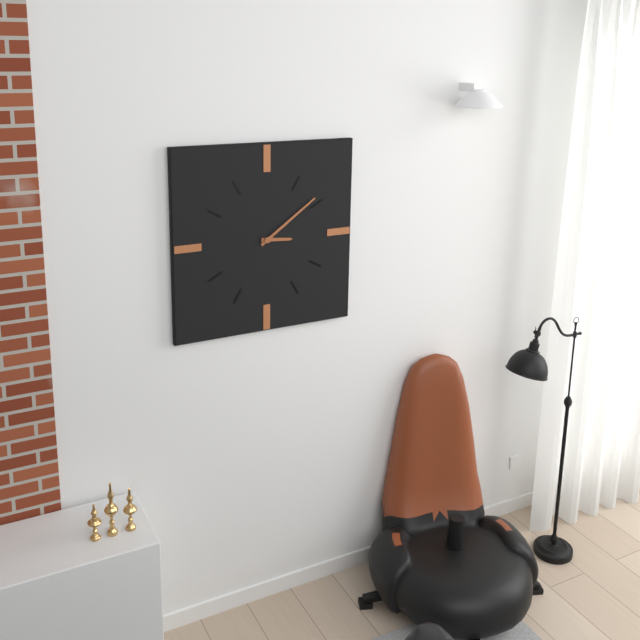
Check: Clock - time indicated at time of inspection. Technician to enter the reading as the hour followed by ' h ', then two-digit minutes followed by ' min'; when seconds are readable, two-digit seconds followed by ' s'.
3 h 09 min
